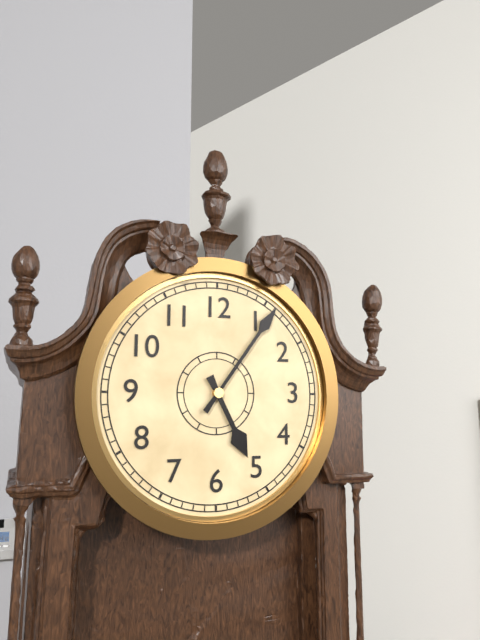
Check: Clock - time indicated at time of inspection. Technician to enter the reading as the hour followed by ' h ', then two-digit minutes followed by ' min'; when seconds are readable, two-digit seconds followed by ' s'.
5 h 06 min
